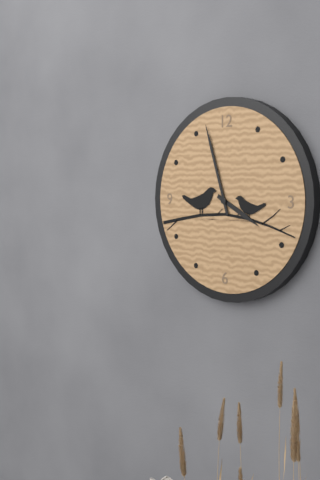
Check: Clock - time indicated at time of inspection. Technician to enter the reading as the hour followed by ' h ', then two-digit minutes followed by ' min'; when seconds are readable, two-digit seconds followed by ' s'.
3 h 57 min
